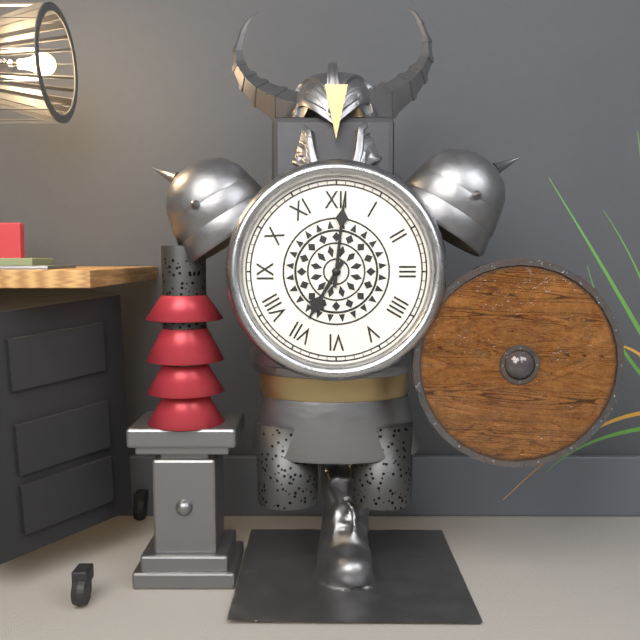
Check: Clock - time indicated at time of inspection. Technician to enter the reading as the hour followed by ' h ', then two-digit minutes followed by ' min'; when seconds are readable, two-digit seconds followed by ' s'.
7 h 01 min
